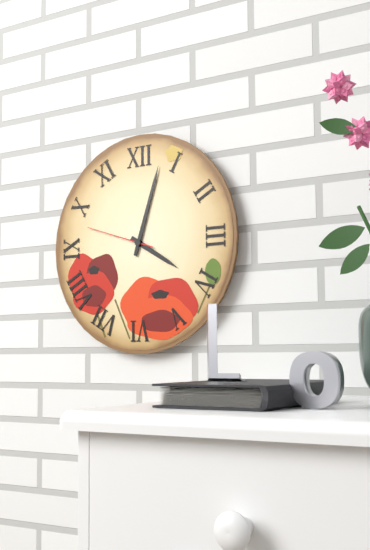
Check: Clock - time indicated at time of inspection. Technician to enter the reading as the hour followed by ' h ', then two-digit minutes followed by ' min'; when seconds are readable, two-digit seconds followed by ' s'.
4 h 03 min 48 s
